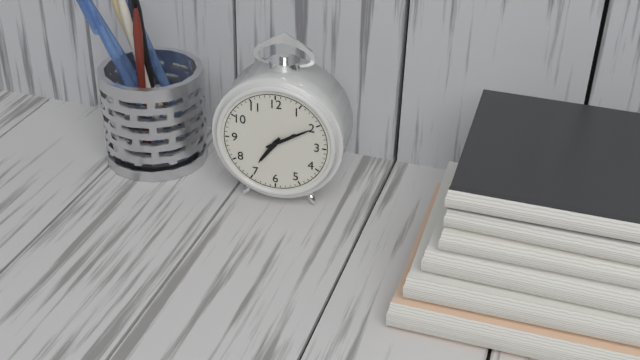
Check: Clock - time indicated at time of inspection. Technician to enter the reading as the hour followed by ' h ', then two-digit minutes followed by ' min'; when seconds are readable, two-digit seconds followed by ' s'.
7 h 10 min
